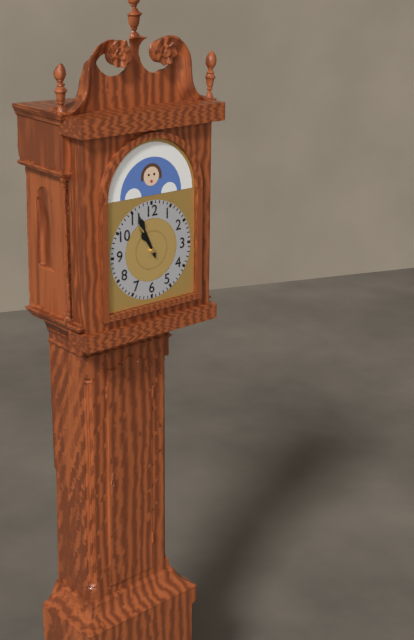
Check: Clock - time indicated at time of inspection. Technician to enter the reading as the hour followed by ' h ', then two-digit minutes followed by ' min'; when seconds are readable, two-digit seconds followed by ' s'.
10 h 56 min
